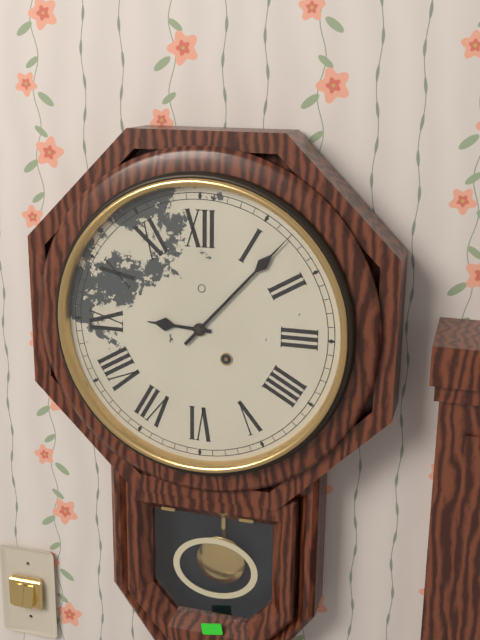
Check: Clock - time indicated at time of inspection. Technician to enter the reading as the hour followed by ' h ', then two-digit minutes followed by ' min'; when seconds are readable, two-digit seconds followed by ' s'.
9 h 07 min
